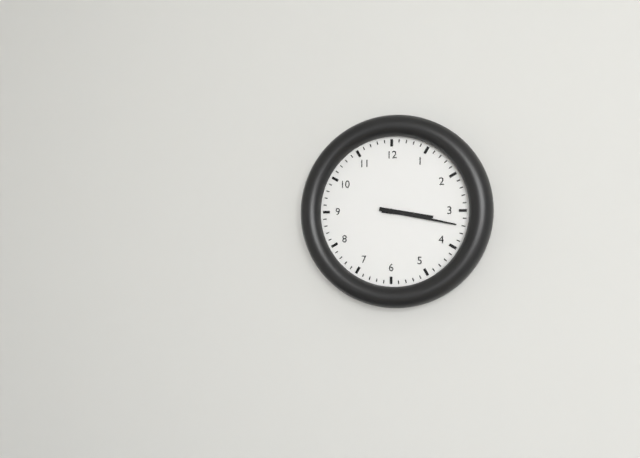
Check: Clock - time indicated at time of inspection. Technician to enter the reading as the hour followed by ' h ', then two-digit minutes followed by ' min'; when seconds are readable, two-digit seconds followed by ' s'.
3 h 17 min
